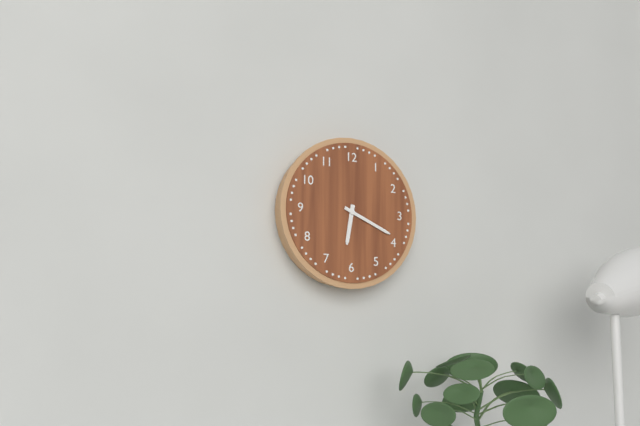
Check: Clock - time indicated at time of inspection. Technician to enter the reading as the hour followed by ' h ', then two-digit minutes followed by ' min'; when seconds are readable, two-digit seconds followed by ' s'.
6 h 19 min
